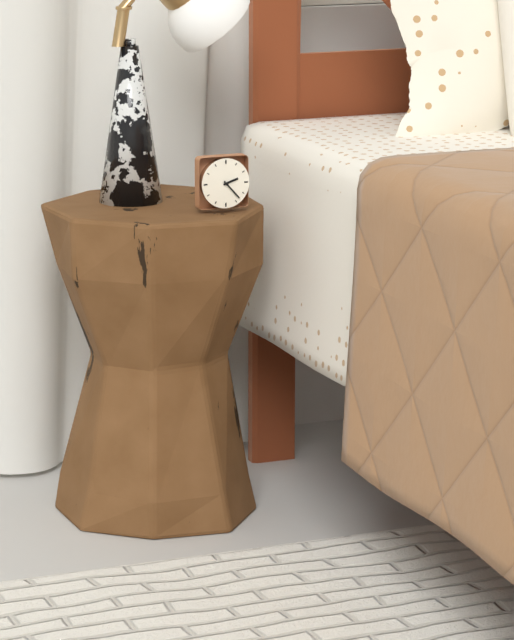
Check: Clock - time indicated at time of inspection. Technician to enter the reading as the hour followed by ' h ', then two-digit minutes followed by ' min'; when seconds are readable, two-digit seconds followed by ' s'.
2 h 23 min
